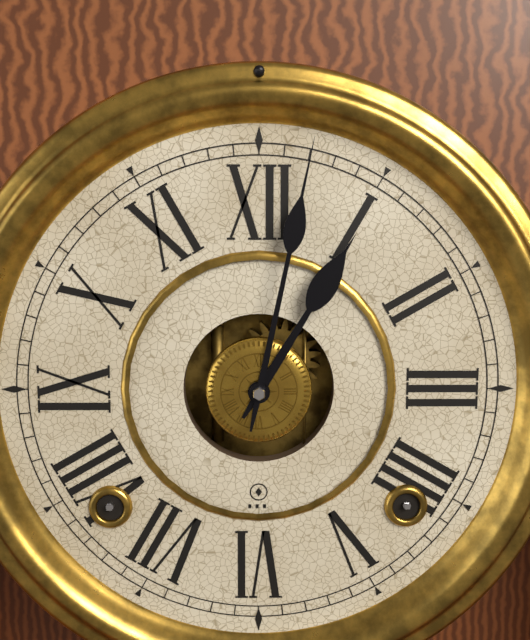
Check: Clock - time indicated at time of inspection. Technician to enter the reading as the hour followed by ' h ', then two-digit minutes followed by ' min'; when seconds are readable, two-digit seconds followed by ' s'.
1 h 02 min
